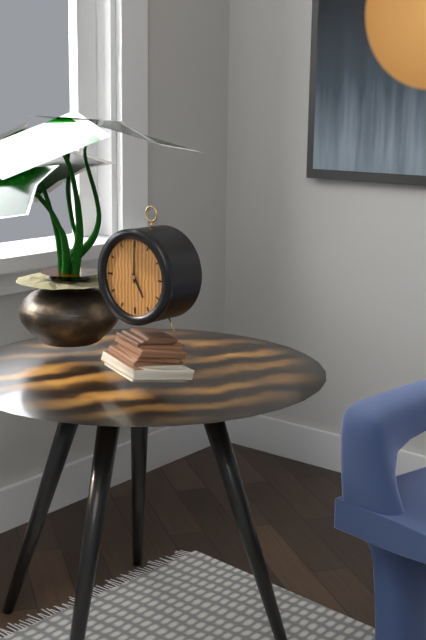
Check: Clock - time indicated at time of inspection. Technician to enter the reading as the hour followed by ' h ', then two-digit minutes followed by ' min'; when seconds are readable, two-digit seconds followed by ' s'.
5 h 00 min
